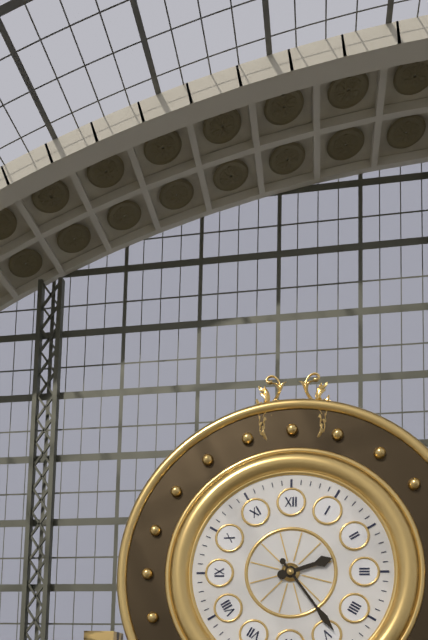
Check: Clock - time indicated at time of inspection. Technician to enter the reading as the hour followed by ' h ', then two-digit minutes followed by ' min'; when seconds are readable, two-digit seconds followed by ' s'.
2 h 24 min
